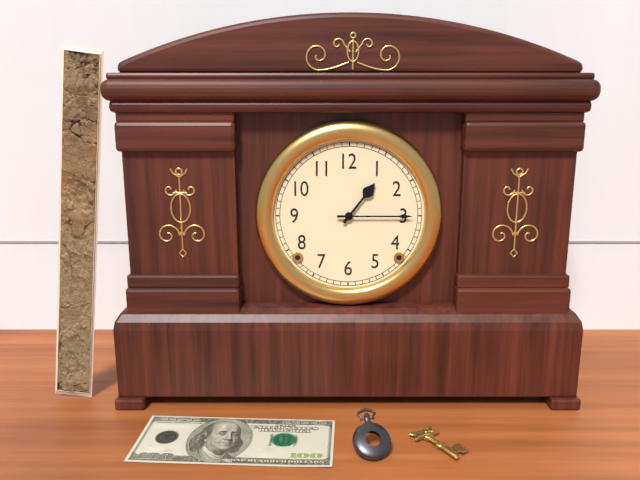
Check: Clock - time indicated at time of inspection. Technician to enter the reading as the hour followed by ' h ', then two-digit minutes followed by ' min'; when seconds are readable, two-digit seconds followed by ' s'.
1 h 15 min
